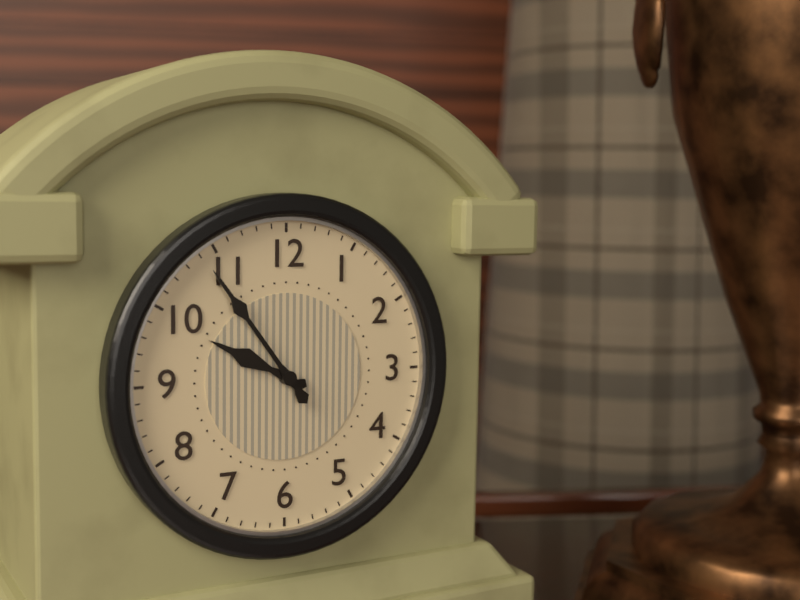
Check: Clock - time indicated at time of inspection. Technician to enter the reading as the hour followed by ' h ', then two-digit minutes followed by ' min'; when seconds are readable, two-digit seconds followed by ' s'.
9 h 54 min
